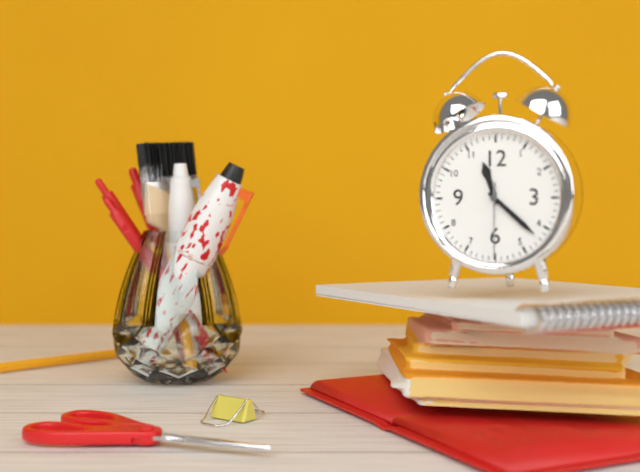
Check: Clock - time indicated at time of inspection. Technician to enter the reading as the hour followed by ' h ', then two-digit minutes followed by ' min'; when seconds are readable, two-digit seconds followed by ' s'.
11 h 22 min 30 s
